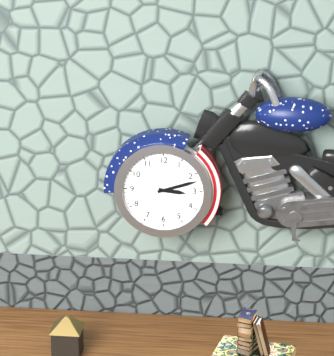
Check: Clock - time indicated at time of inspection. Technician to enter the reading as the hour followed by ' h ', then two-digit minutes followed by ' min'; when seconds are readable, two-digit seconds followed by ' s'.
3 h 12 min
